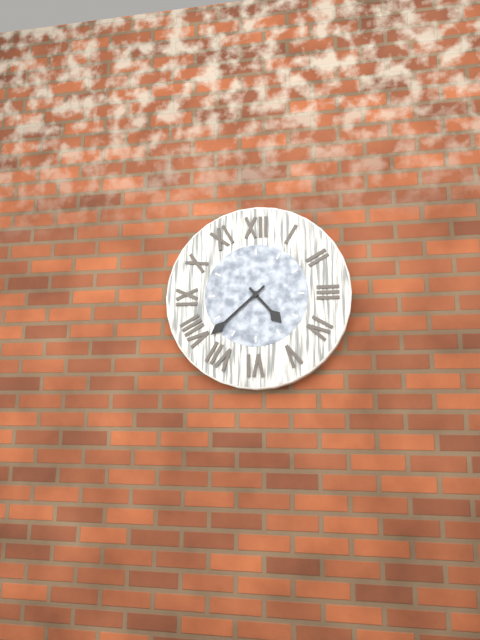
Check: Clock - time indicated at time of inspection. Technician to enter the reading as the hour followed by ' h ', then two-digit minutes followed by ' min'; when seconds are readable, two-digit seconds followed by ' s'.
4 h 38 min
